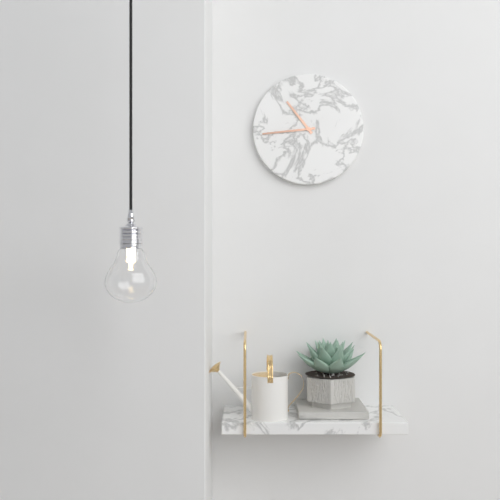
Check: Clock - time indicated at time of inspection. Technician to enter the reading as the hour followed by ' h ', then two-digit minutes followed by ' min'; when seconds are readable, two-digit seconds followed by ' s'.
10 h 44 min
